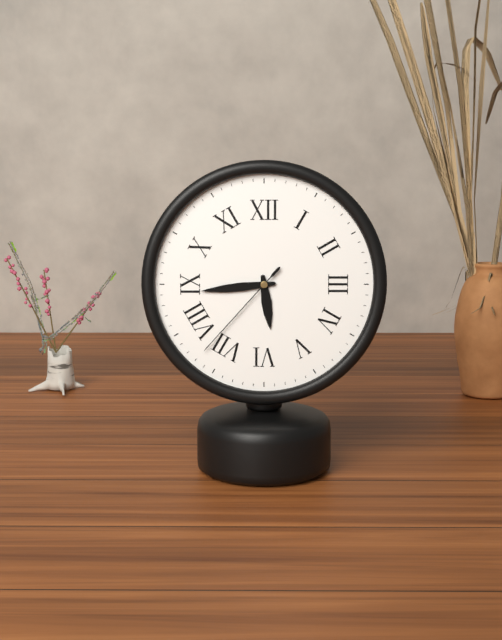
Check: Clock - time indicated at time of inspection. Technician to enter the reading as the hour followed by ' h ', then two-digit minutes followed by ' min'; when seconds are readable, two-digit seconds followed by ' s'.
5 h 44 min 37 s
